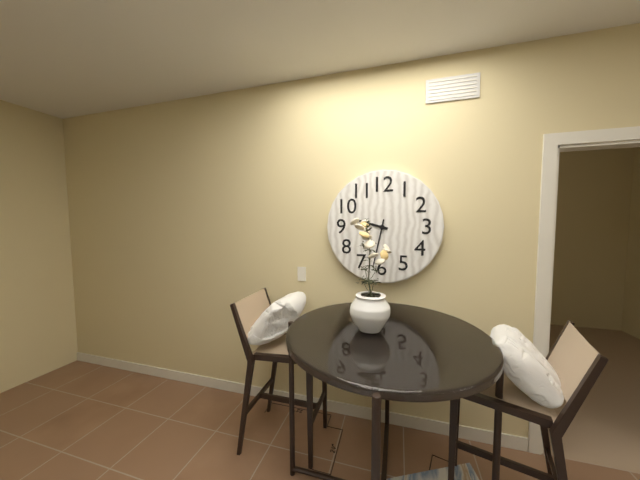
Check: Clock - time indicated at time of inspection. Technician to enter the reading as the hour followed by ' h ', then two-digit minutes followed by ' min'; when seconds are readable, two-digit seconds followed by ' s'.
9 h 32 min
